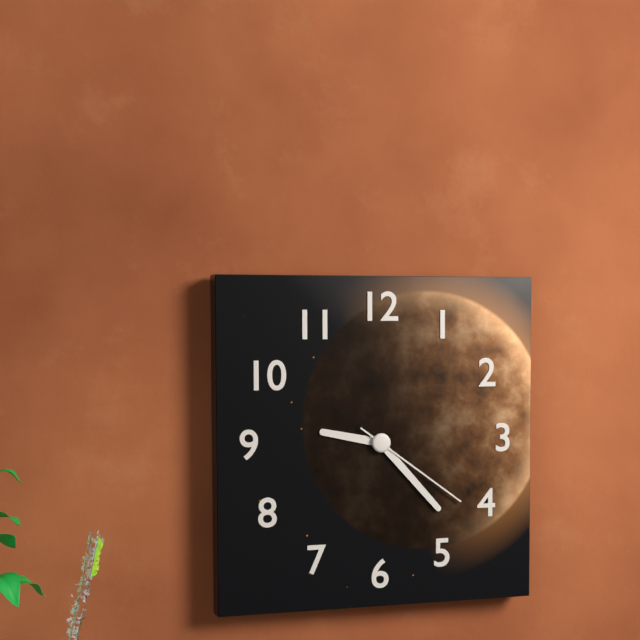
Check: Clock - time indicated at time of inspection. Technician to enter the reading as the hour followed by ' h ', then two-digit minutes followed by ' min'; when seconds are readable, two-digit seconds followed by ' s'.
9 h 23 min 21 s
